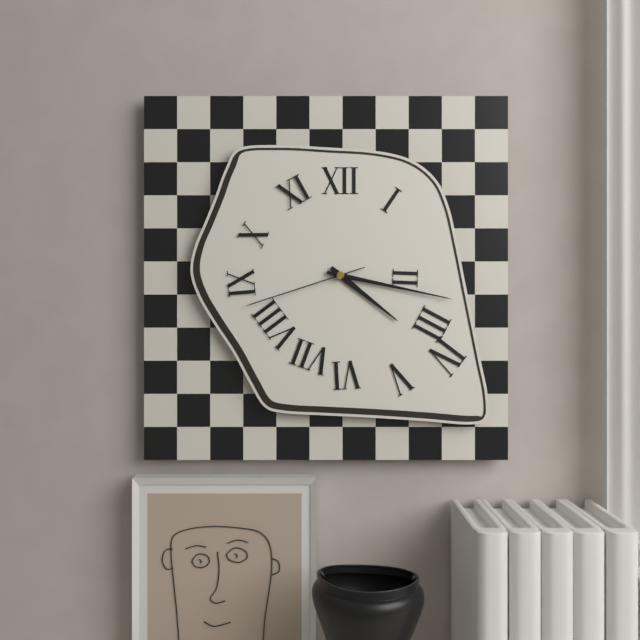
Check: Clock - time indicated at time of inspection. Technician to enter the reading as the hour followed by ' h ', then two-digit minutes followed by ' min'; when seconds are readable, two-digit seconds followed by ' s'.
4 h 17 min 42 s
